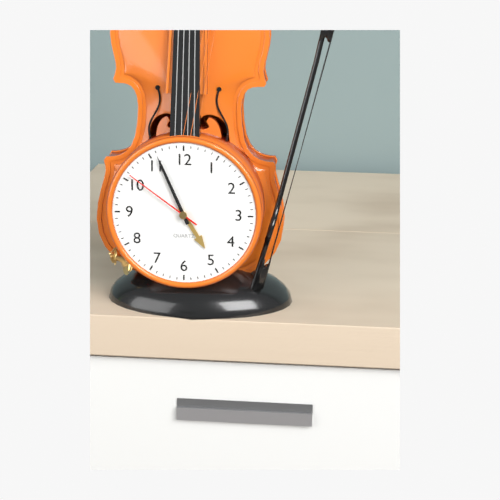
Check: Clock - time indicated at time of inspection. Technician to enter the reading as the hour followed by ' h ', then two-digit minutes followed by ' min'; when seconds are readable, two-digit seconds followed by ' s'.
4 h 56 min 51 s
